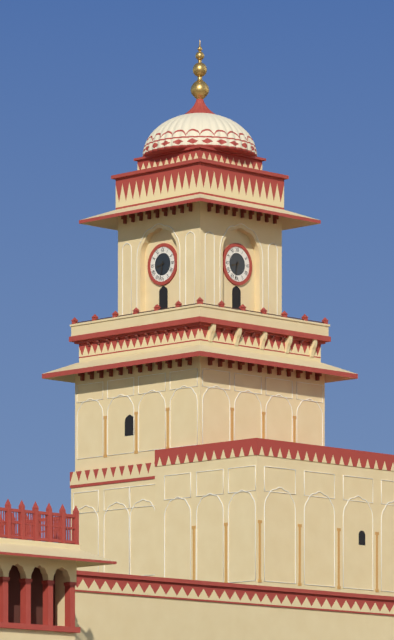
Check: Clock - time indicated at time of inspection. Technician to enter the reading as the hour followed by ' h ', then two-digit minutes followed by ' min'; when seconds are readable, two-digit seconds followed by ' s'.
8 h 32 min
